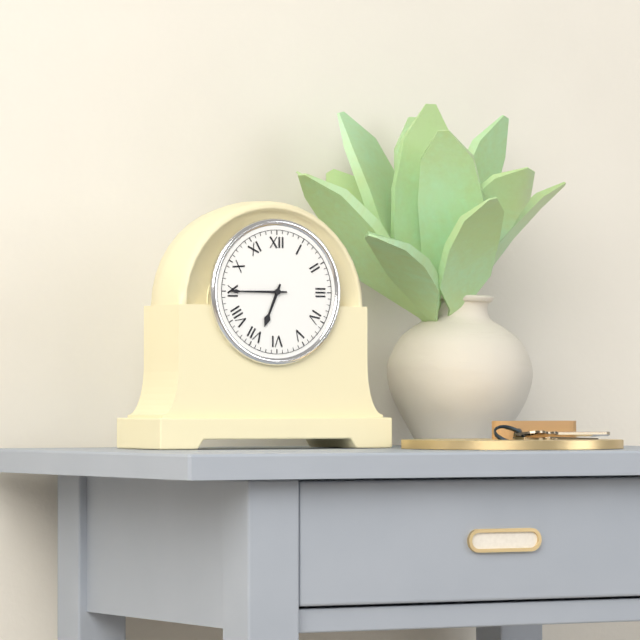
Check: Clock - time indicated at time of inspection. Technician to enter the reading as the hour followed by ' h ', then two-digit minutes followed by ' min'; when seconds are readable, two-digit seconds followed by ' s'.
6 h 45 min
